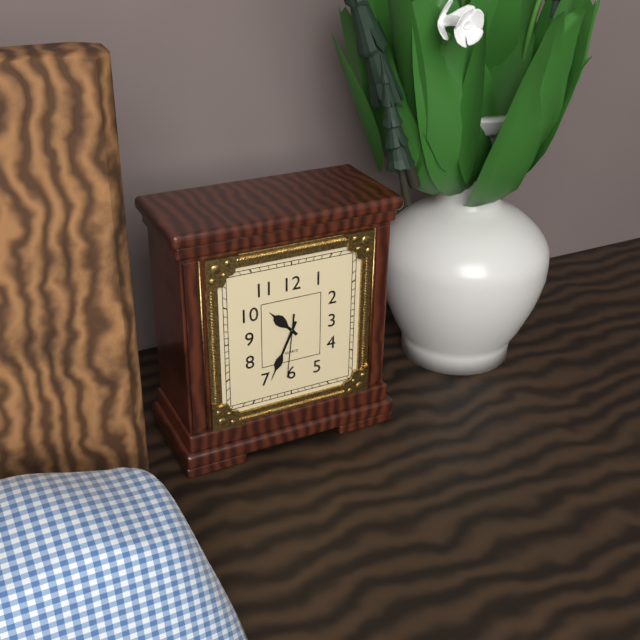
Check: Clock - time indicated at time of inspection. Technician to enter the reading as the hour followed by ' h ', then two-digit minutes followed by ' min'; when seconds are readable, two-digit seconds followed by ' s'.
10 h 34 min 31 s
